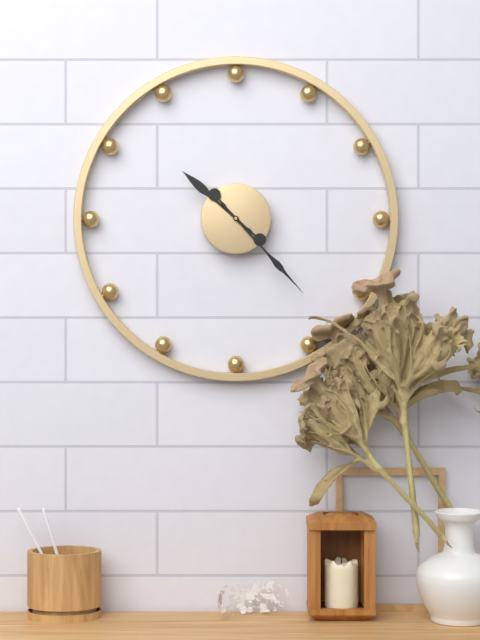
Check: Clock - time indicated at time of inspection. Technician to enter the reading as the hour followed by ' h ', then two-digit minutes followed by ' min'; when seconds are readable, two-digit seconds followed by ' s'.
10 h 23 min
